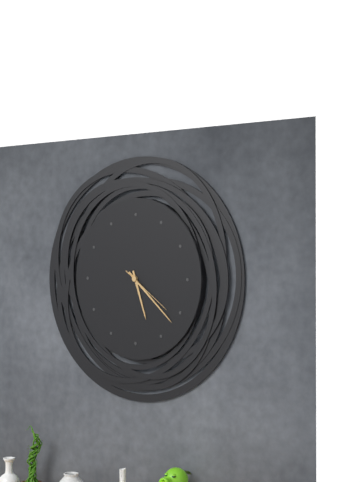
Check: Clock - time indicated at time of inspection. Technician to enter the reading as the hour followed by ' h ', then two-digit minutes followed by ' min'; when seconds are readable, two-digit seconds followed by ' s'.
5 h 22 min 21 s
